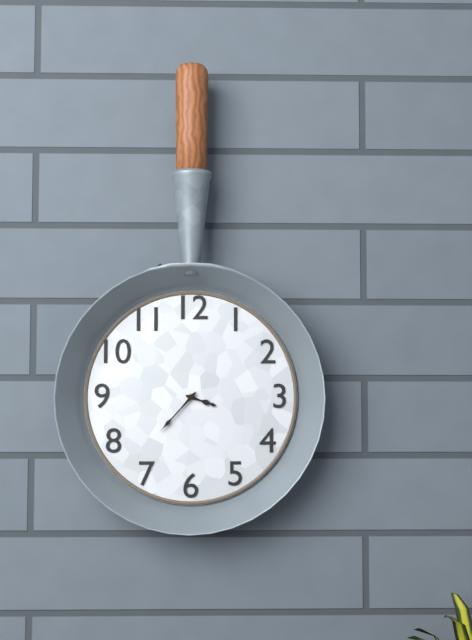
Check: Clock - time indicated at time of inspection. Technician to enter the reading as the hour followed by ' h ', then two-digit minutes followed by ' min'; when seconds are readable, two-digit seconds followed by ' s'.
3 h 37 min
